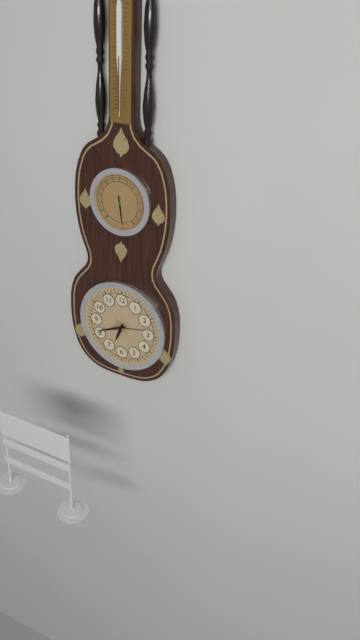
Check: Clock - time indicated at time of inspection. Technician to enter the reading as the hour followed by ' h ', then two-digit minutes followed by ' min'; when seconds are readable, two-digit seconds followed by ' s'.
6 h 41 min
